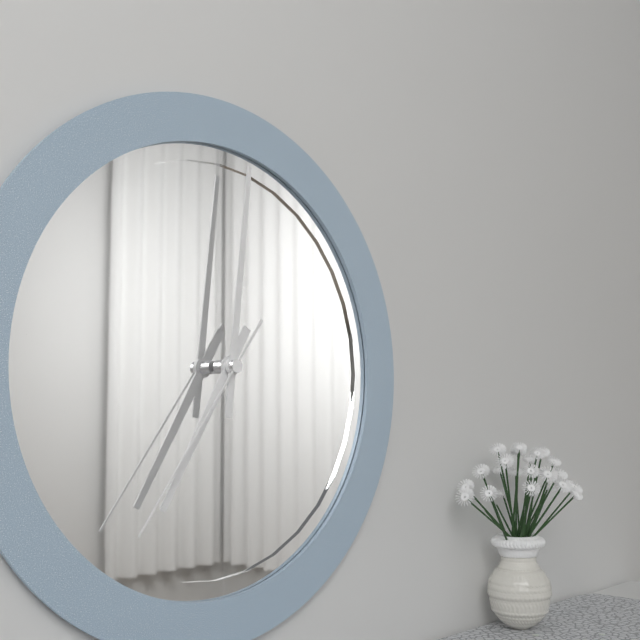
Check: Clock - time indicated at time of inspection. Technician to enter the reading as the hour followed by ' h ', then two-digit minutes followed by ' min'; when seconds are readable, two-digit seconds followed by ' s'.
7 h 01 min 36 s
